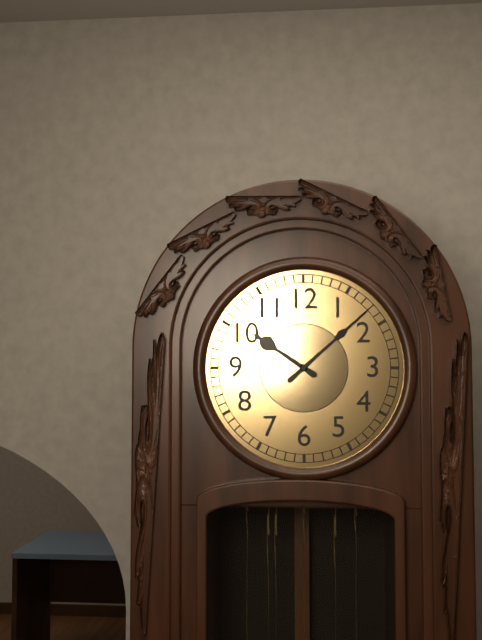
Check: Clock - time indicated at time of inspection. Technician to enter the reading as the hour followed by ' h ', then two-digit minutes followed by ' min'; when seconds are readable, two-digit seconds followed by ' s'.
10 h 08 min
